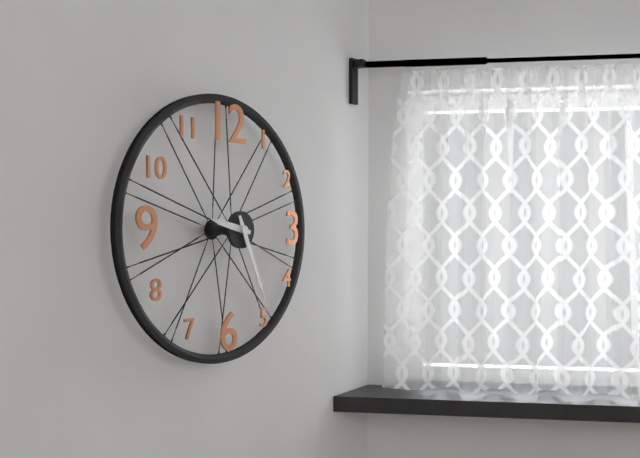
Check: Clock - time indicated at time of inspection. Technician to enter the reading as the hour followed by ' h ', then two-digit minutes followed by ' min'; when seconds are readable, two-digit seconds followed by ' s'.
9 h 26 min
